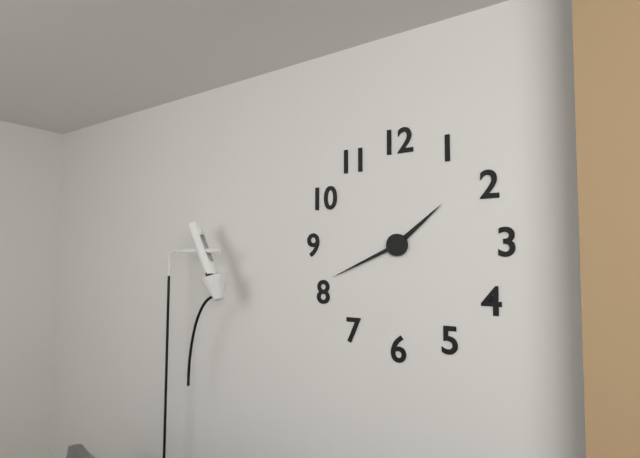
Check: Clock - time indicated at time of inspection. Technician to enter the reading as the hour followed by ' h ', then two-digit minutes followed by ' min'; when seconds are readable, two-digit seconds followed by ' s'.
1 h 41 min
